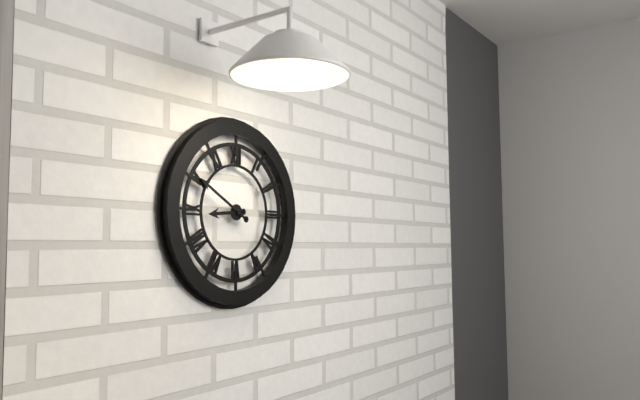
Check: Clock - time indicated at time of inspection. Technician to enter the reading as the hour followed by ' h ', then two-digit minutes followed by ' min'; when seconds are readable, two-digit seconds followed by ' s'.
8 h 50 min
